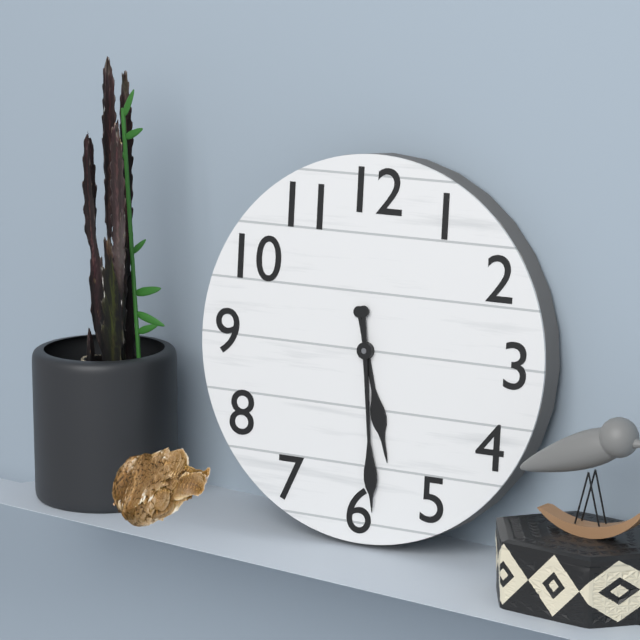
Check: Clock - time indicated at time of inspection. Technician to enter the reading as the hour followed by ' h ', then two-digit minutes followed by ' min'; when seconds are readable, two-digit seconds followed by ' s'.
5 h 29 min
